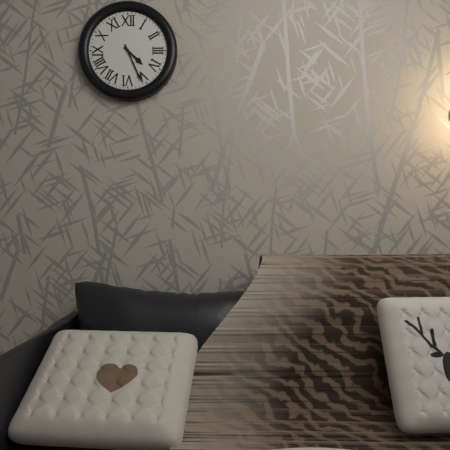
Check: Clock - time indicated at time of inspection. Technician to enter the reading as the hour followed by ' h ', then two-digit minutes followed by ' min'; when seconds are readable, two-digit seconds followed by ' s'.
4 h 26 min
